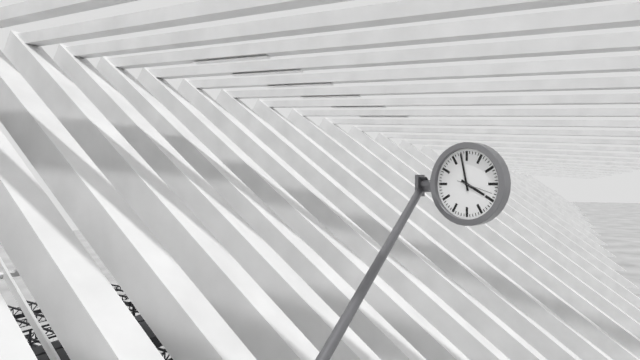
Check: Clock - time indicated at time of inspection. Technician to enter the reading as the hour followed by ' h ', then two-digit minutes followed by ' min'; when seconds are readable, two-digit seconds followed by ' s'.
3 h 58 min
